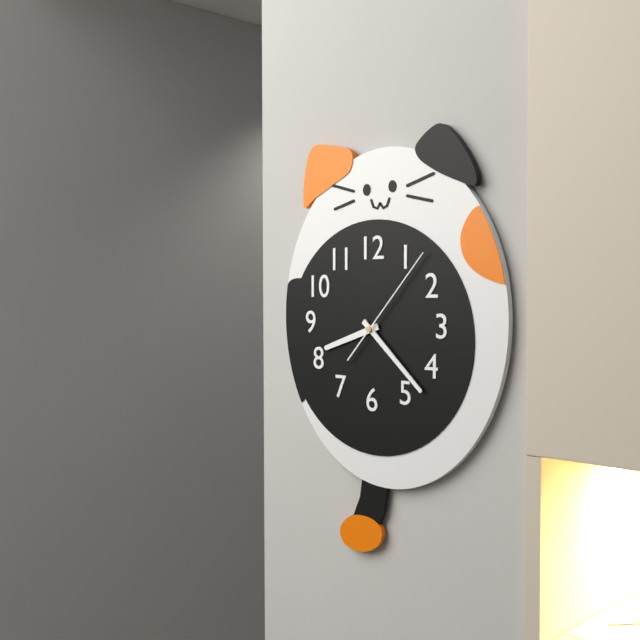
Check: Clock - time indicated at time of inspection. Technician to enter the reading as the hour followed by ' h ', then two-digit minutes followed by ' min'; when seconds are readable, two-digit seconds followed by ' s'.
8 h 22 min 07 s
